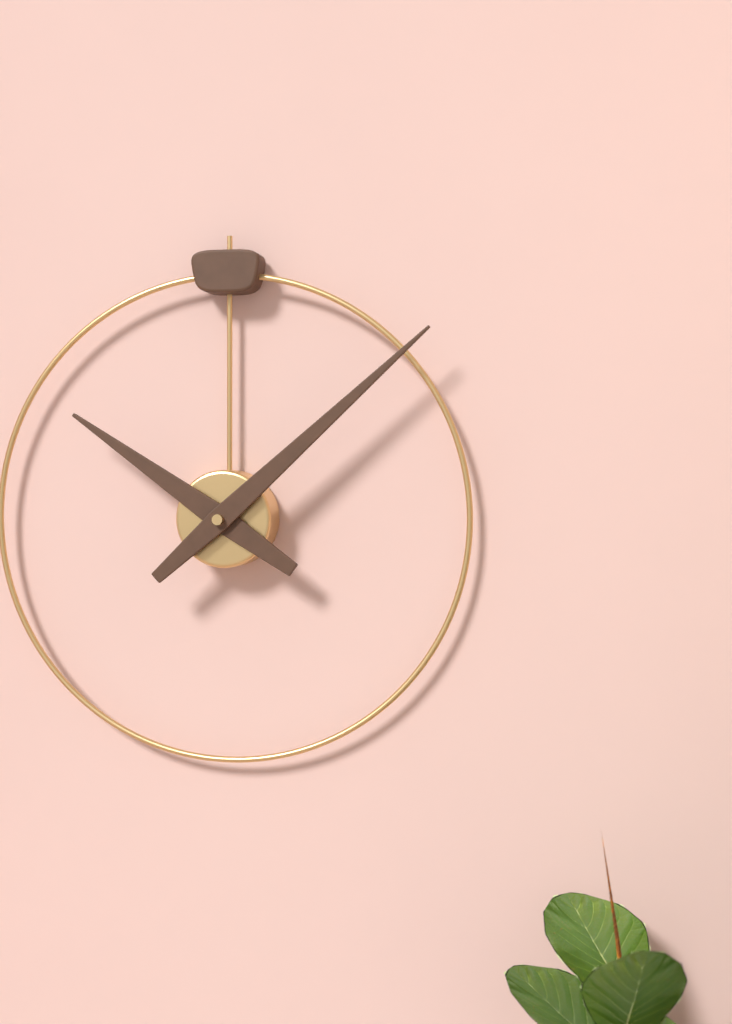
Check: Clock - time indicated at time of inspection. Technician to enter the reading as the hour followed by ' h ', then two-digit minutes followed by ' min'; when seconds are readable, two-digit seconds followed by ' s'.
10 h 08 min
